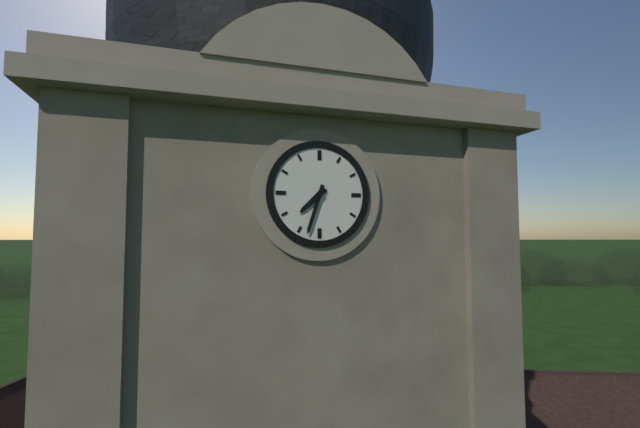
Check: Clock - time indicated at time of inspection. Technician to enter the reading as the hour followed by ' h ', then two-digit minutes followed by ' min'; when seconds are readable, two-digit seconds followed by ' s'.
7 h 33 min
